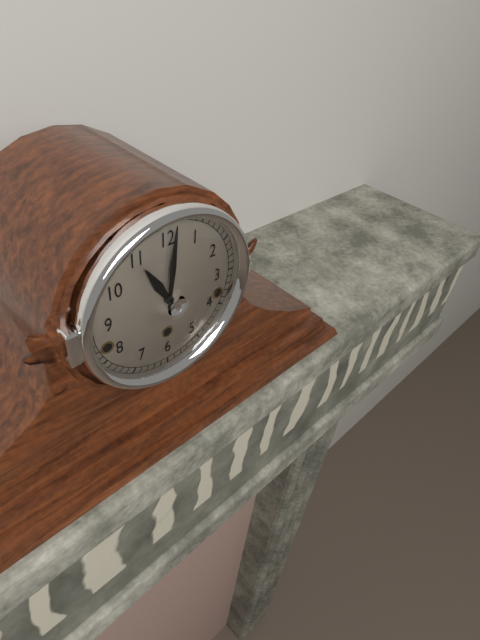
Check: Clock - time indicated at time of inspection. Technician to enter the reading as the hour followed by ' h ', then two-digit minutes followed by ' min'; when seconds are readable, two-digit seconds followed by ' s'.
11 h 01 min
